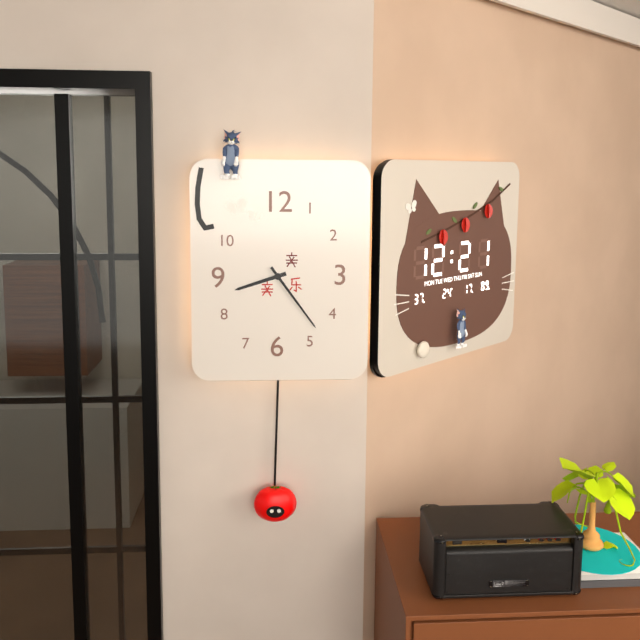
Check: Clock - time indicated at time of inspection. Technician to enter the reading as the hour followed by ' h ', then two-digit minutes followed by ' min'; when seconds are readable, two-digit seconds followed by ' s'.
8 h 24 min
